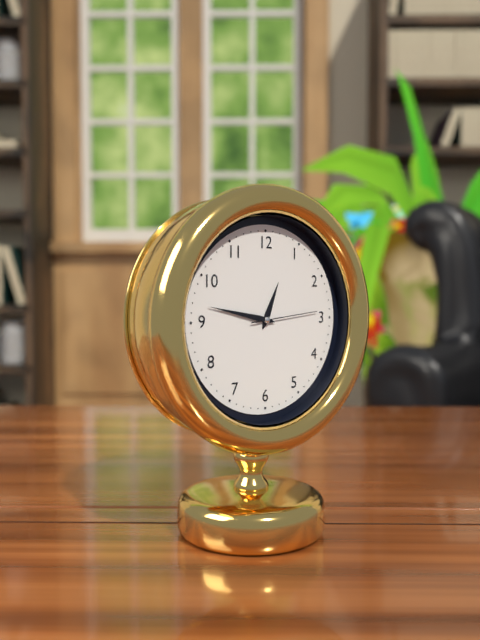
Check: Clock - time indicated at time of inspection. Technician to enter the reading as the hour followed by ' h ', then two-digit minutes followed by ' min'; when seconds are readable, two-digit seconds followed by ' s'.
12 h 47 min 14 s
